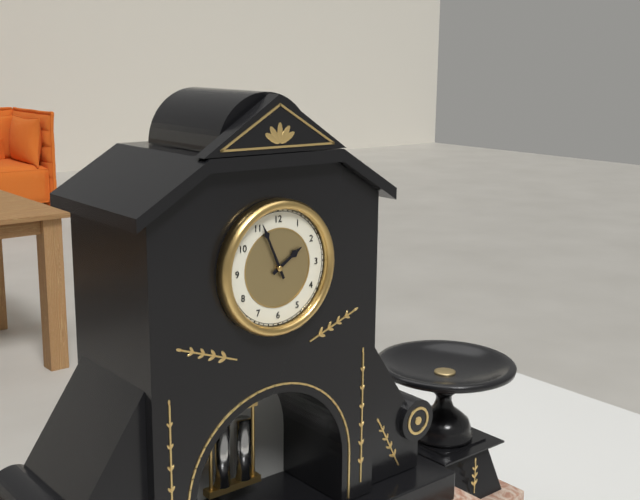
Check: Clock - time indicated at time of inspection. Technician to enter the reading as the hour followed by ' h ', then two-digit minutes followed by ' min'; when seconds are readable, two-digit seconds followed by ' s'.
1 h 56 min
